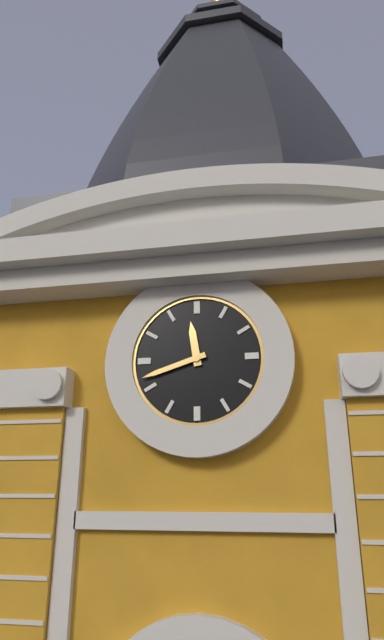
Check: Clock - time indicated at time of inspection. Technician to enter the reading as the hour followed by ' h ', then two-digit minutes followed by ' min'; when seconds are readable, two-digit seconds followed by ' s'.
11 h 42 min
